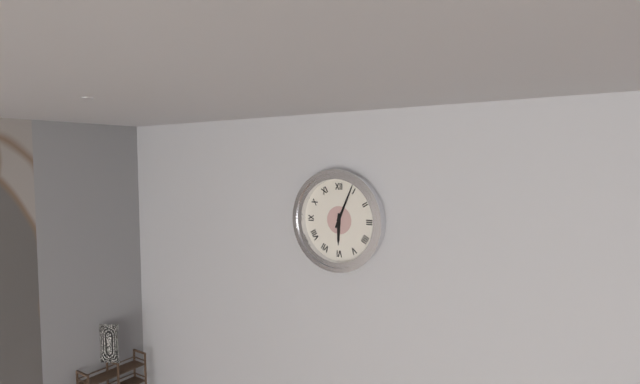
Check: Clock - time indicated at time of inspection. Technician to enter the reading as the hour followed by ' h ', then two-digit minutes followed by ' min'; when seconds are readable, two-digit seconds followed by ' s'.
6 h 04 min
